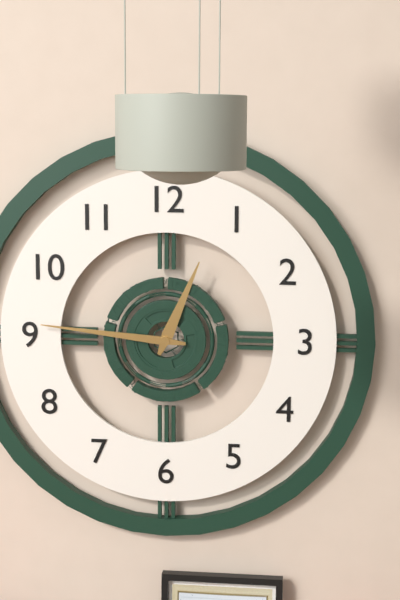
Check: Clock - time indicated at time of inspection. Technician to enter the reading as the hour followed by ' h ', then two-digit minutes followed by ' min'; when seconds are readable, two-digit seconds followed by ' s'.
12 h 46 min
